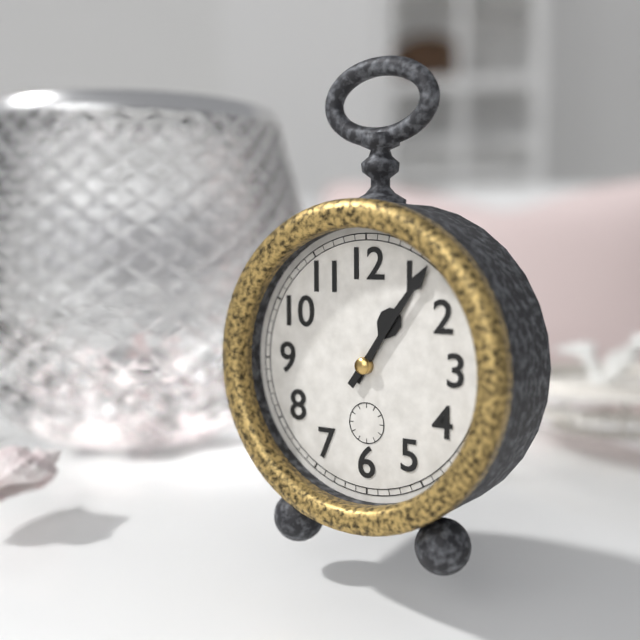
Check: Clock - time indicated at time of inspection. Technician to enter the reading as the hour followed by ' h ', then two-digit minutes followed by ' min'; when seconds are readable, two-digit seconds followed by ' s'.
1 h 06 min
